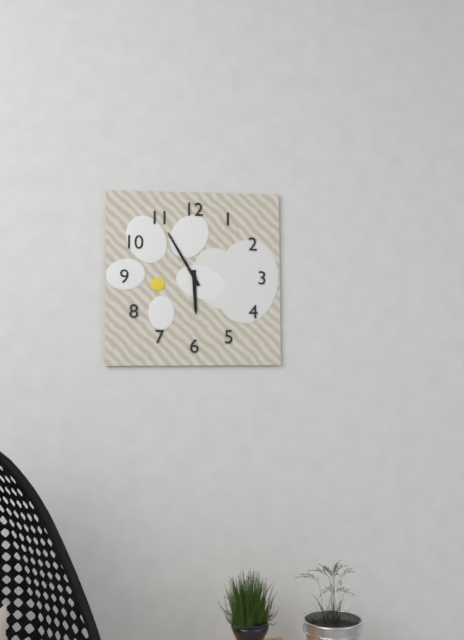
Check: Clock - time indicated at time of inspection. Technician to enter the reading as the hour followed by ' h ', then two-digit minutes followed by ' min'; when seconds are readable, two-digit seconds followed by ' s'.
5 h 55 min
